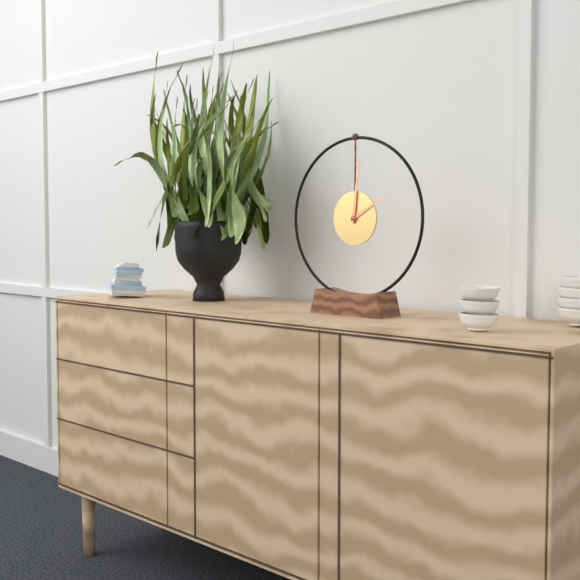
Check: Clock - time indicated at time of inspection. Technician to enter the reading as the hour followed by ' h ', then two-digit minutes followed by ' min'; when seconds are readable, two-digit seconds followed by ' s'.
2 h 01 min
